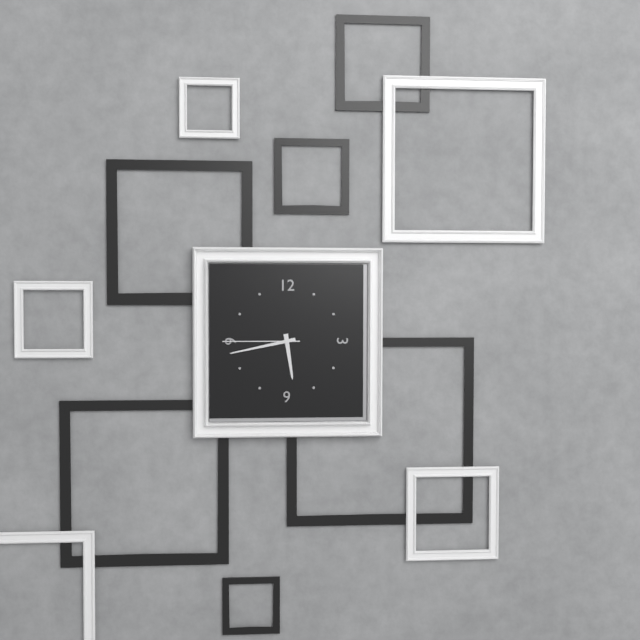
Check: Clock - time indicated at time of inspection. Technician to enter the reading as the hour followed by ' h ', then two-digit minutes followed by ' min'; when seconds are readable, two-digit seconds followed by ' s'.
5 h 43 min 45 s
